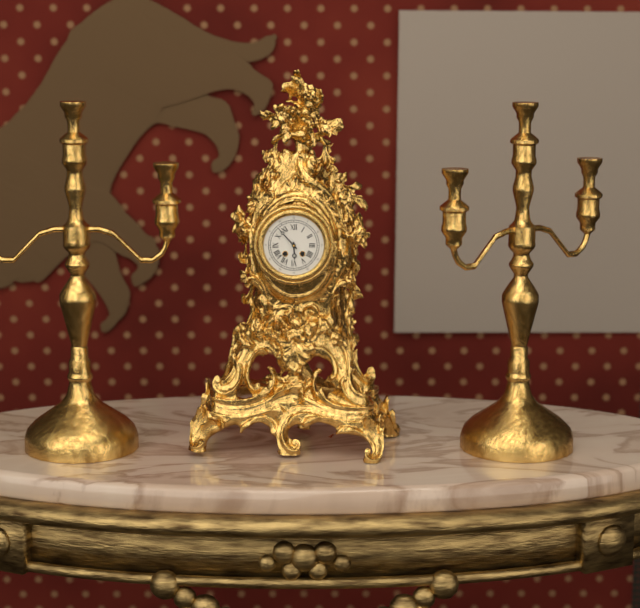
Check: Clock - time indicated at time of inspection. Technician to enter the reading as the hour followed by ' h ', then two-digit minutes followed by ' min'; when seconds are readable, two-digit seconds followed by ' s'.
5 h 53 min
